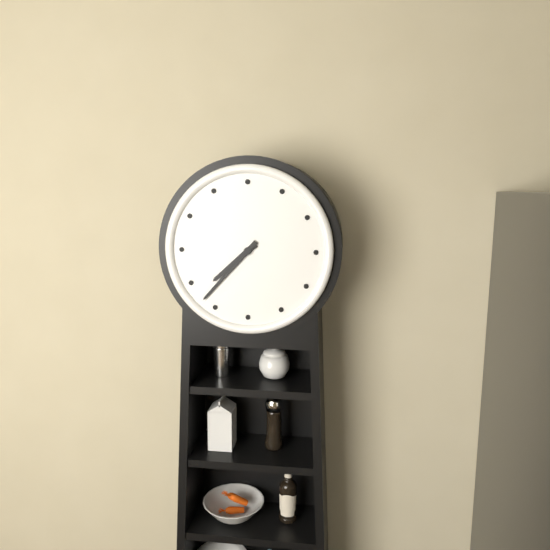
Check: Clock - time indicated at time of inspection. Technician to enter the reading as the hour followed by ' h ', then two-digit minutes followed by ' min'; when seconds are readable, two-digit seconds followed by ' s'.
7 h 37 min
